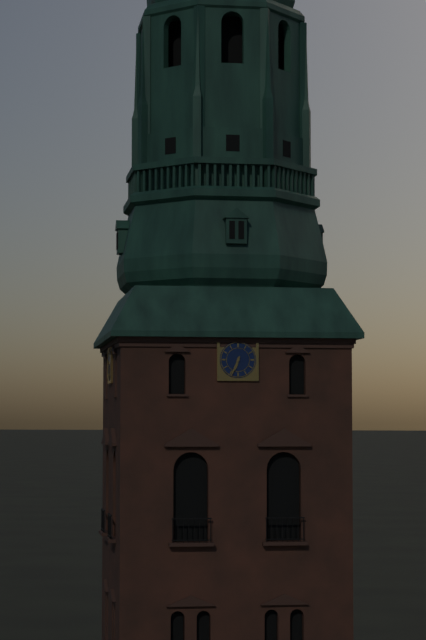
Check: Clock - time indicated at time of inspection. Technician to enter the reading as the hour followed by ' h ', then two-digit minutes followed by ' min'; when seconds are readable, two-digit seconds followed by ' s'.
6 h 34 min
